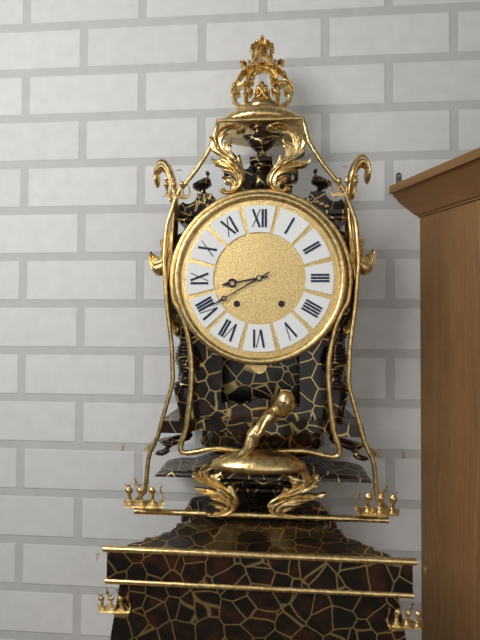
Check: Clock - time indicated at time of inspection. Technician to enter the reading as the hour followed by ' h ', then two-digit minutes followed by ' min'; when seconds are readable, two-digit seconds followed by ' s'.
8 h 40 min
